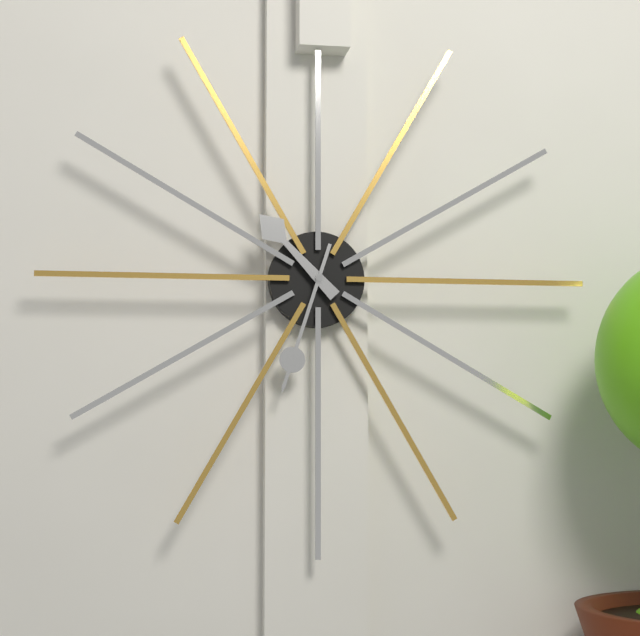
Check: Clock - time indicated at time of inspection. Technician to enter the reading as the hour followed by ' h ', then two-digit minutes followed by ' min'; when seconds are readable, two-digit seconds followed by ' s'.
10 h 33 min
